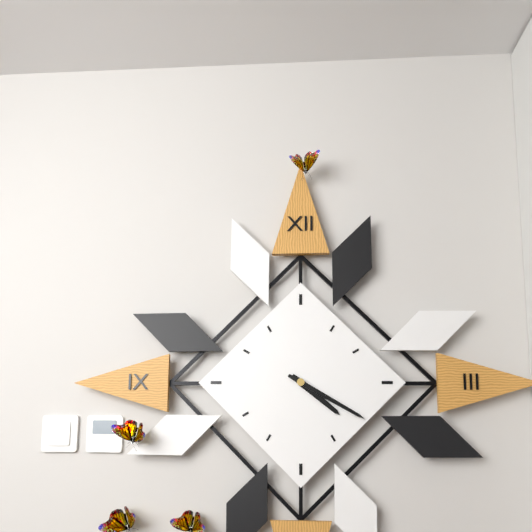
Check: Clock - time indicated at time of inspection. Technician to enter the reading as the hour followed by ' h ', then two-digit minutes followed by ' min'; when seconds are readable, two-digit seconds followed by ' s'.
4 h 20 min
